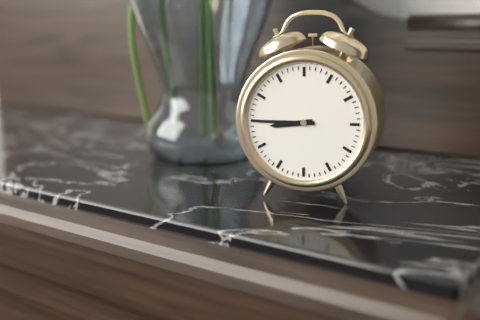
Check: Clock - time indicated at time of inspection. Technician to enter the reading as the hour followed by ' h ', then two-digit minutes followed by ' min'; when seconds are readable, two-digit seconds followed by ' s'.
8 h 45 min
